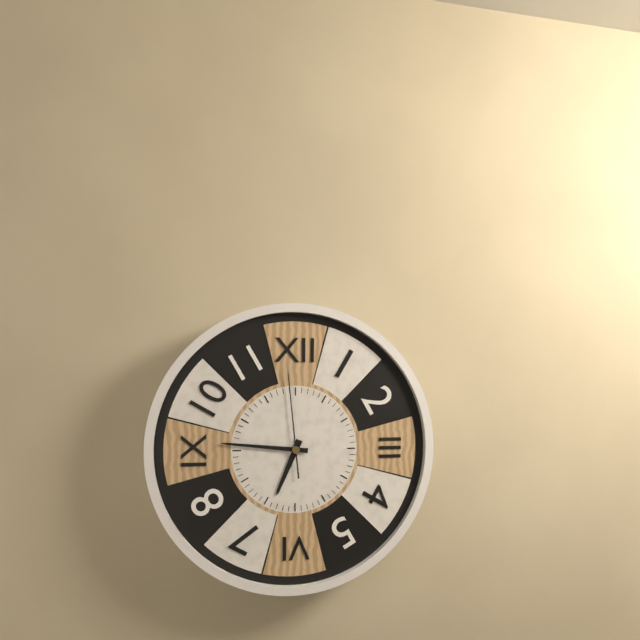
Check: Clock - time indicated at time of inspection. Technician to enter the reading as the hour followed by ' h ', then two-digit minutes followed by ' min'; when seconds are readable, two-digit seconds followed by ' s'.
6 h 46 min 59 s
